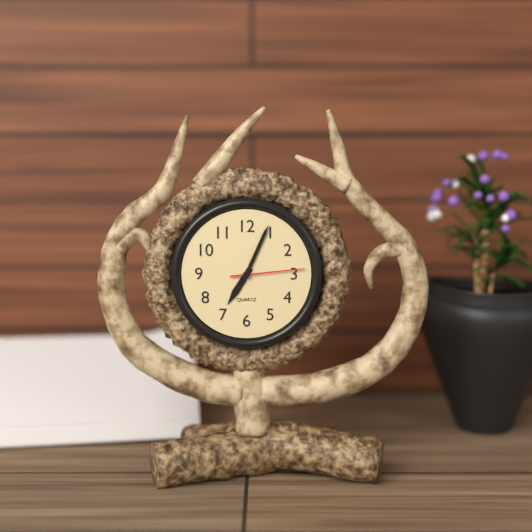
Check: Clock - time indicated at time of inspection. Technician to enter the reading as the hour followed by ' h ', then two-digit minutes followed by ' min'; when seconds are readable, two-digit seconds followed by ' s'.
7 h 04 min 14 s
